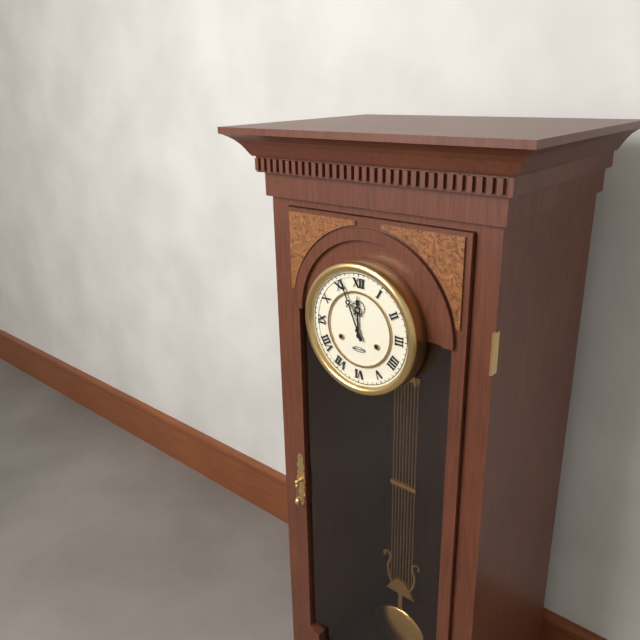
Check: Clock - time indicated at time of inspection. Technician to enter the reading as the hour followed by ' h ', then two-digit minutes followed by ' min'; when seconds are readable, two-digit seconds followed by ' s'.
11 h 56 min
